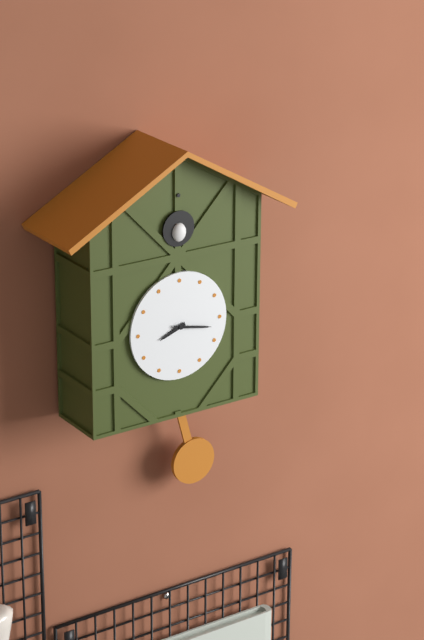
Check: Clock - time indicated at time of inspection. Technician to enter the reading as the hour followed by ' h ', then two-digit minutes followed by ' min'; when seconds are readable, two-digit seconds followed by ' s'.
8 h 17 min
